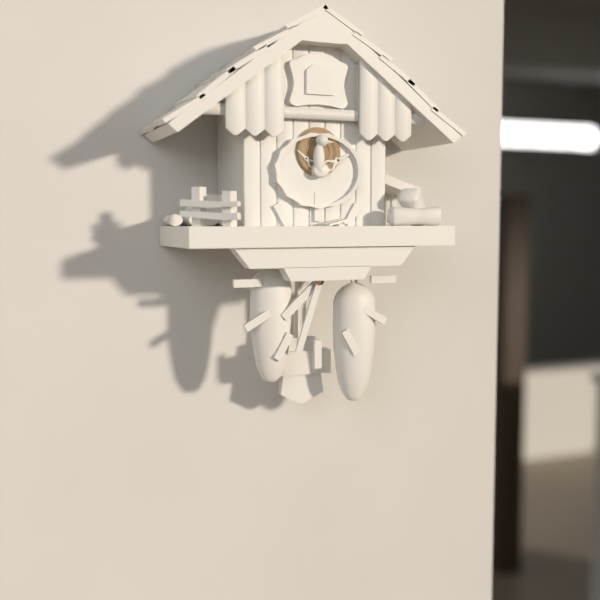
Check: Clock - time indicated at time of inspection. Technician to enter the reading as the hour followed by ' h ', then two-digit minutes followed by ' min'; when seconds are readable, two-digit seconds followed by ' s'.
7 h 33 min
